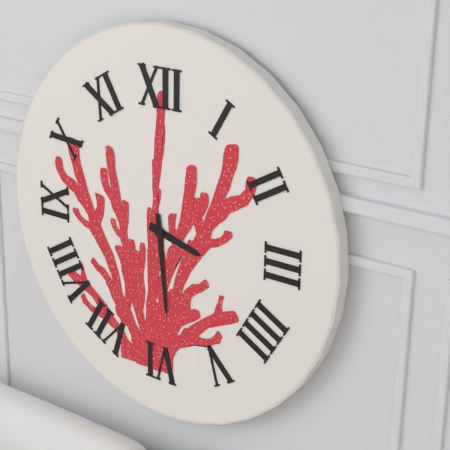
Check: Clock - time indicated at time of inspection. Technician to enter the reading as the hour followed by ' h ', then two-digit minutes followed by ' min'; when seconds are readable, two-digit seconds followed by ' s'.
3 h 29 min
